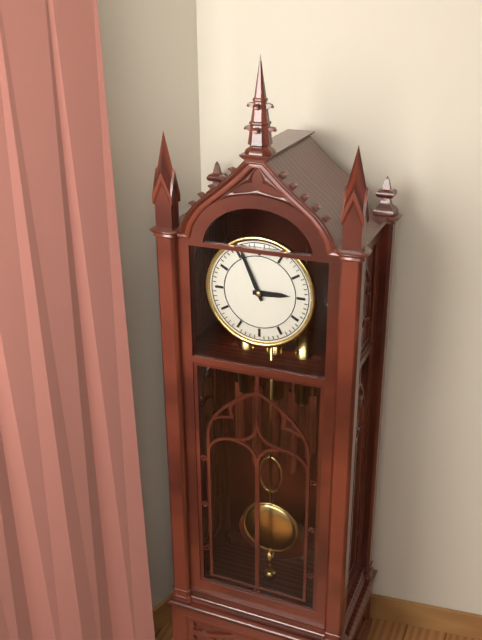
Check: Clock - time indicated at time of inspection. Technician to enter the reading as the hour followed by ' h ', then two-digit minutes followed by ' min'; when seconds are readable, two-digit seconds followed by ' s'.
2 h 56 min
